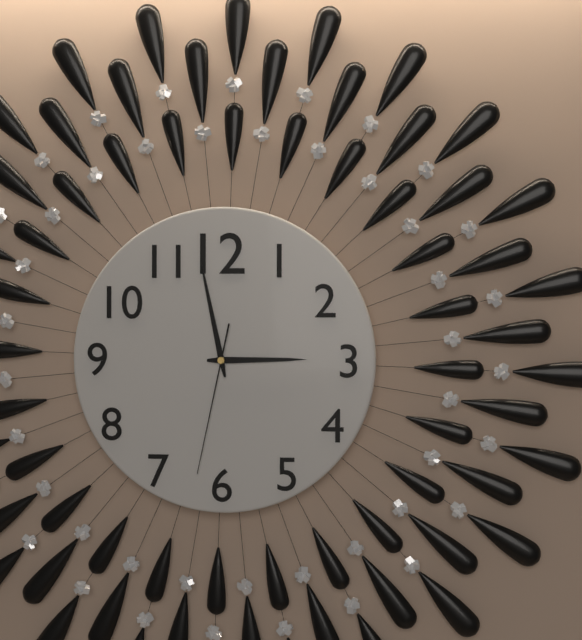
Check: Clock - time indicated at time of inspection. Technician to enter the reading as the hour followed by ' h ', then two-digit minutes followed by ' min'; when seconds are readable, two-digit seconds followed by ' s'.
2 h 58 min 32 s
